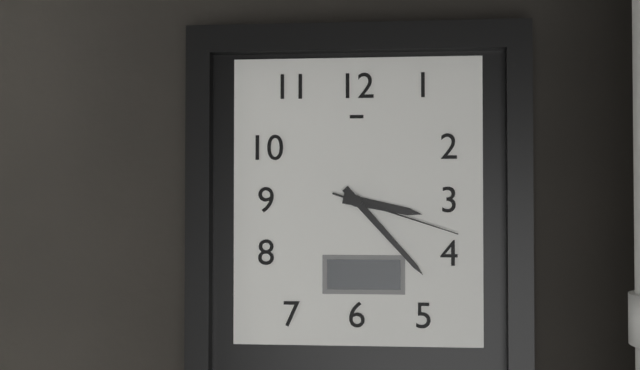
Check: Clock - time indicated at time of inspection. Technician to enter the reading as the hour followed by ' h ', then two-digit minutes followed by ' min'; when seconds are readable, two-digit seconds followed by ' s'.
3 h 23 min 18 s
